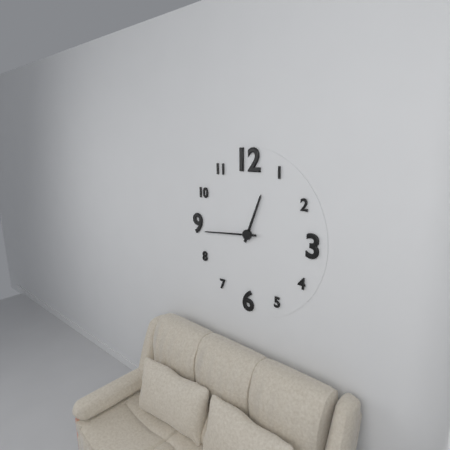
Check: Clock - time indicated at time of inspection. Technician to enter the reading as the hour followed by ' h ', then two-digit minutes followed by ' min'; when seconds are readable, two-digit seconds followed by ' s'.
12 h 44 min
